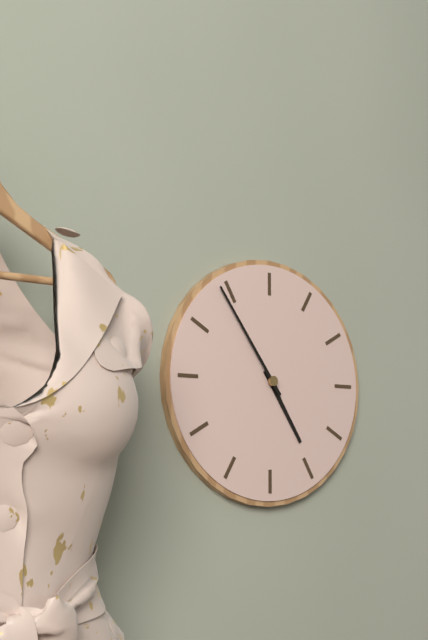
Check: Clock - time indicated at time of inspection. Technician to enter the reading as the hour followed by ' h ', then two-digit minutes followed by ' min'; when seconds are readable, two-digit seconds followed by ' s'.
4 h 54 min
